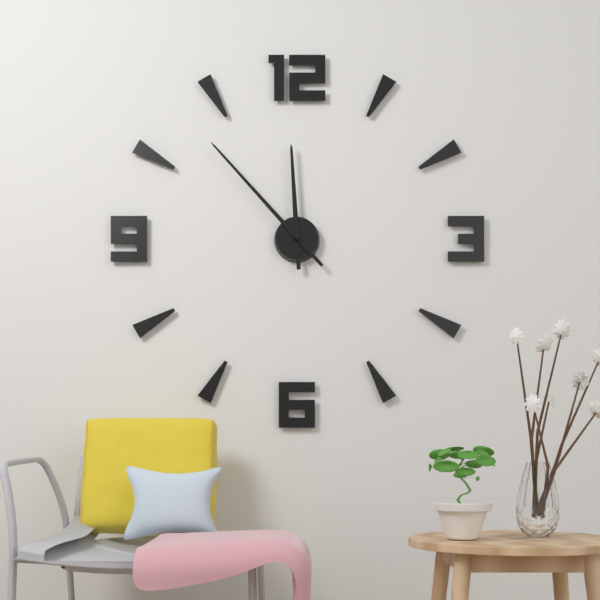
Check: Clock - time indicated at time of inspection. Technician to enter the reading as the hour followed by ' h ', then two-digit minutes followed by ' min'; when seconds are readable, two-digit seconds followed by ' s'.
11 h 53 min
